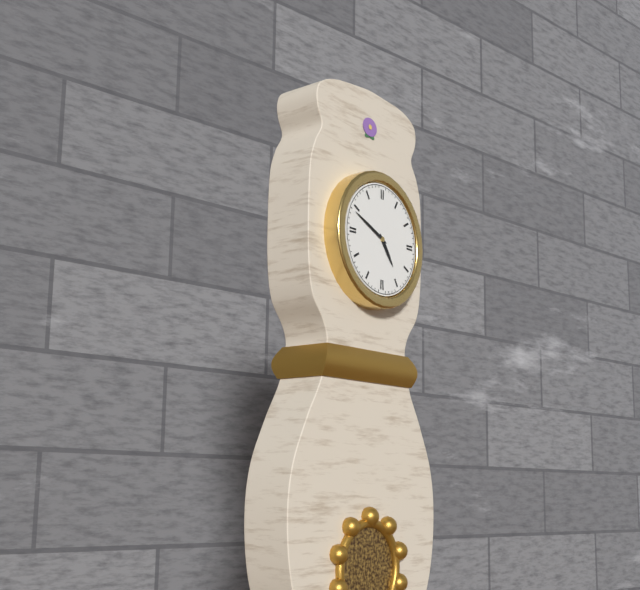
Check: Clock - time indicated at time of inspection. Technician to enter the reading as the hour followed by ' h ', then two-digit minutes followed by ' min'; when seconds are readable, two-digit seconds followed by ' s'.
4 h 49 min
